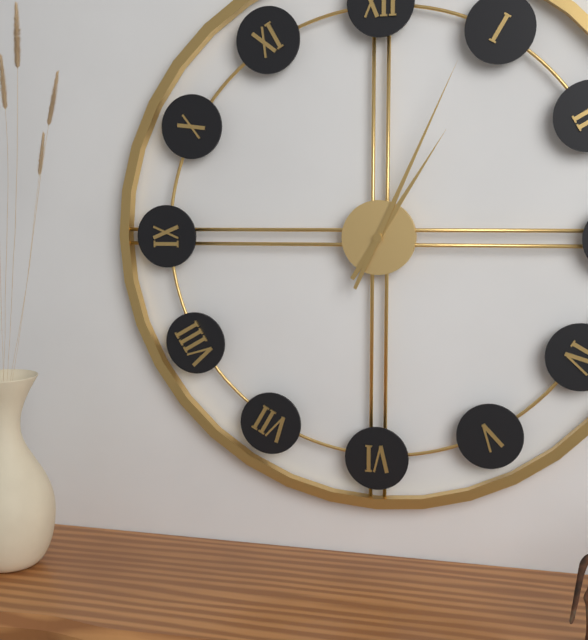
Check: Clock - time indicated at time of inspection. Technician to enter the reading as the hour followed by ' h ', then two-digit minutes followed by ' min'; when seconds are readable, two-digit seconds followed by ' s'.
1 h 04 min
